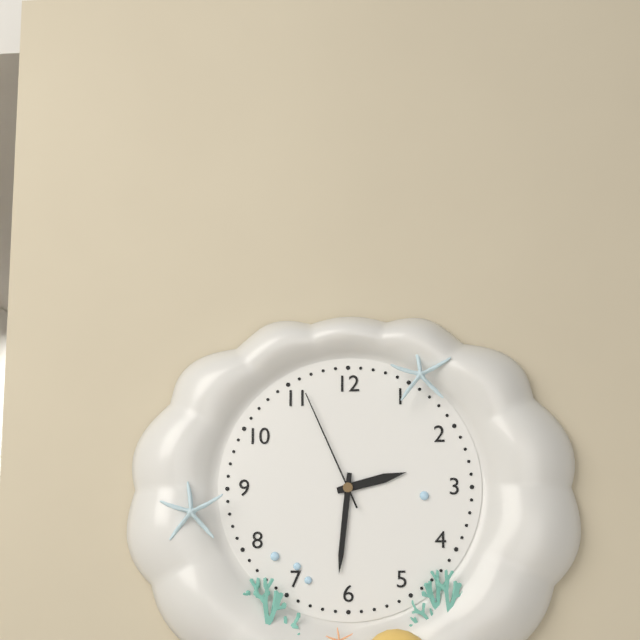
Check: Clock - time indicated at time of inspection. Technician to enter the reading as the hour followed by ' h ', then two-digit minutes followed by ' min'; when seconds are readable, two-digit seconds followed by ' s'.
2 h 31 min 56 s
